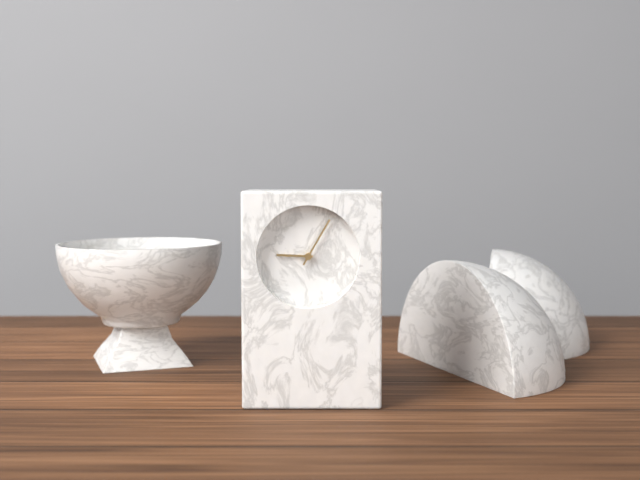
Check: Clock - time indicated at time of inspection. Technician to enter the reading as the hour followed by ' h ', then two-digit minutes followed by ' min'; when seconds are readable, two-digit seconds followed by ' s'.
9 h 05 min
